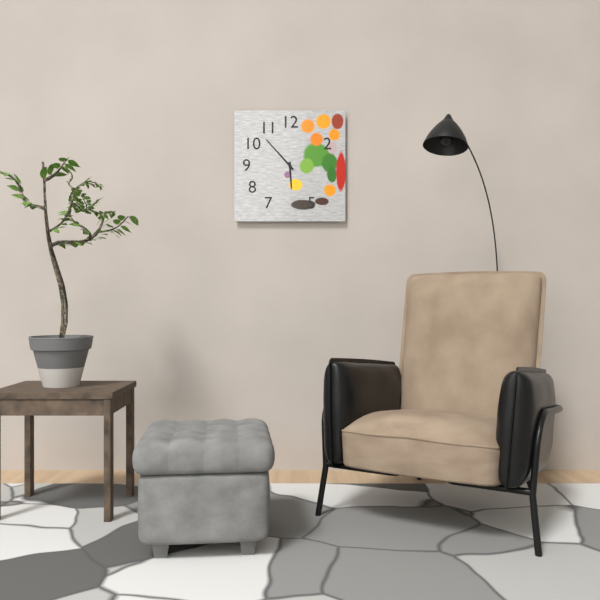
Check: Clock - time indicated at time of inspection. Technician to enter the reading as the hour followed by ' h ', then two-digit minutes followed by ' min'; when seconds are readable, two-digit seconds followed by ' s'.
5 h 53 min
